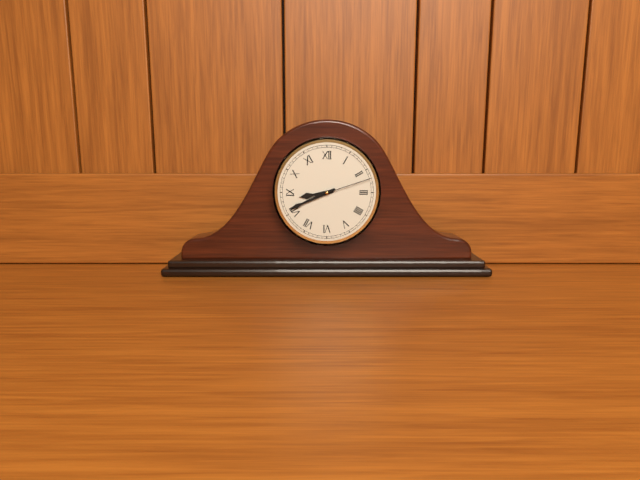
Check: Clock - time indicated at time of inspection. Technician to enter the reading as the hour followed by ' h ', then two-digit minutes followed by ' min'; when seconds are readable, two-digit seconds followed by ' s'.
8 h 41 min 12 s
